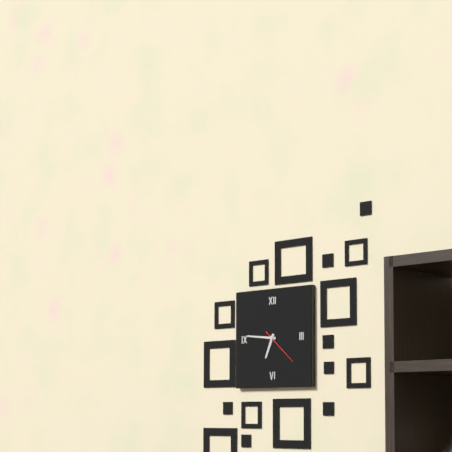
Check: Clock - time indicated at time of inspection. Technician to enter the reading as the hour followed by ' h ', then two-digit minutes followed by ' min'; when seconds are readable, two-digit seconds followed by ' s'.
6 h 46 min
